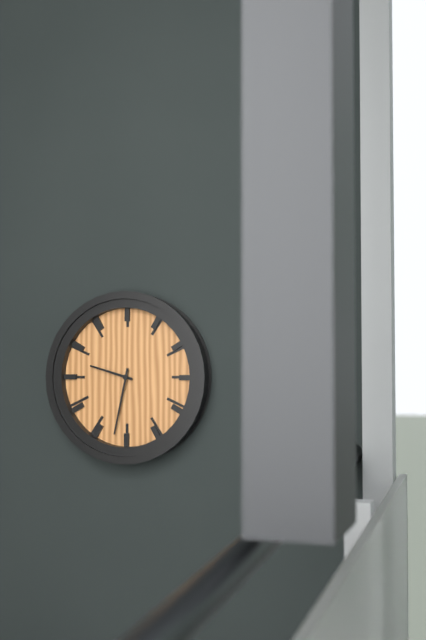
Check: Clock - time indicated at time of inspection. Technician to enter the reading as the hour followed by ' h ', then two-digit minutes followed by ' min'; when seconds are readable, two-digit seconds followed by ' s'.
9 h 32 min
